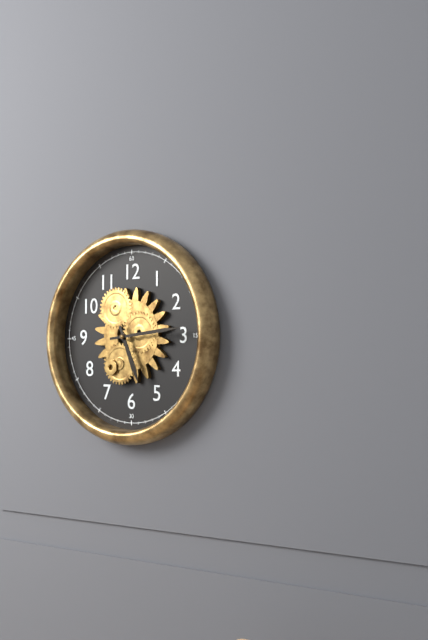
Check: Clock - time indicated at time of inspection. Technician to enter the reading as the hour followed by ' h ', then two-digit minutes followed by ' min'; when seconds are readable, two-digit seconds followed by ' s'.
5 h 14 min
